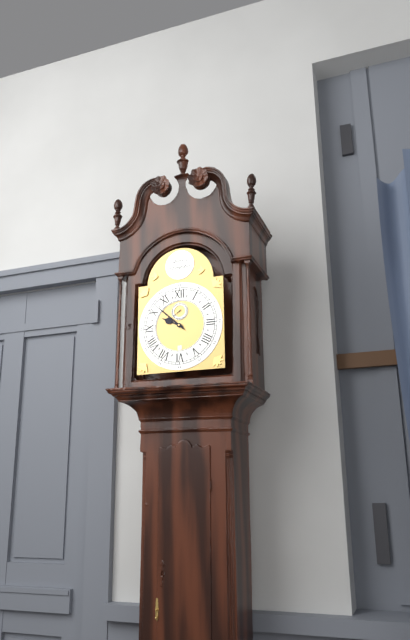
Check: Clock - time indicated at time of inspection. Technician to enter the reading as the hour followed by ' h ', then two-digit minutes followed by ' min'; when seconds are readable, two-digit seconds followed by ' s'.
9 h 52 min
